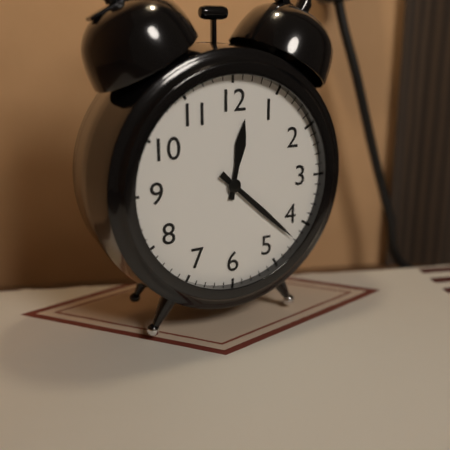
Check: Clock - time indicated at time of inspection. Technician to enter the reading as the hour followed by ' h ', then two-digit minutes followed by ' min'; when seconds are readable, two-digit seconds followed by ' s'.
12 h 22 min
